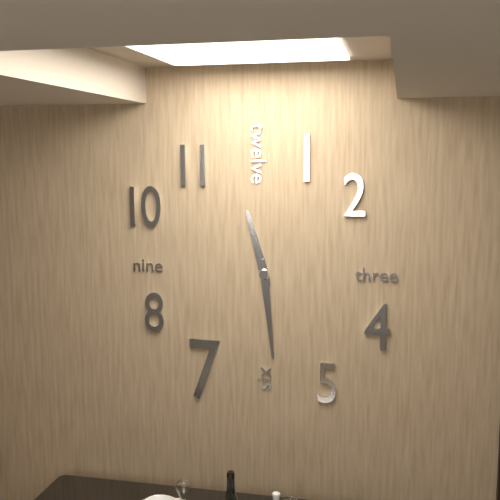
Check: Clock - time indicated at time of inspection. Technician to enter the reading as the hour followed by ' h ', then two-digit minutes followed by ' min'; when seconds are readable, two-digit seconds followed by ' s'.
11 h 29 min
